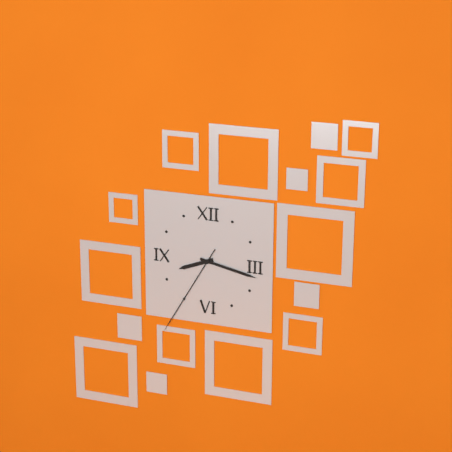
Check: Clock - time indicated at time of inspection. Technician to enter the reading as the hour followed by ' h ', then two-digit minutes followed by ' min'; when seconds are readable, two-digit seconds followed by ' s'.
8 h 17 min 35 s
